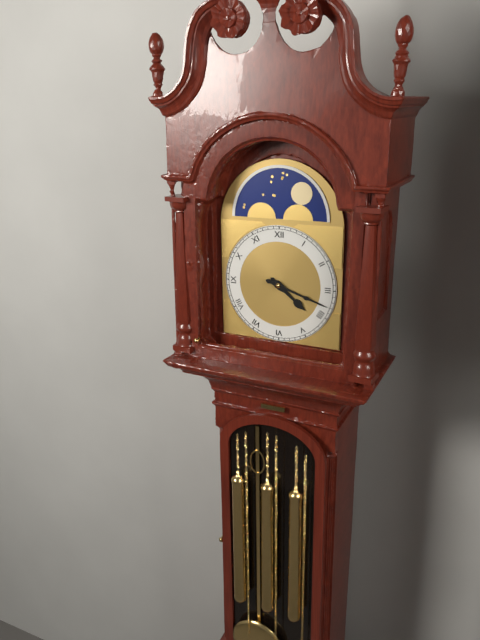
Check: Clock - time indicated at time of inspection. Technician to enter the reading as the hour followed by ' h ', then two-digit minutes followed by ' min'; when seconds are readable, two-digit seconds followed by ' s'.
4 h 18 min
